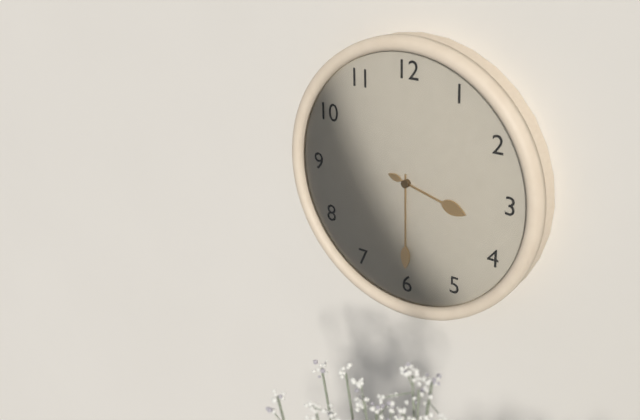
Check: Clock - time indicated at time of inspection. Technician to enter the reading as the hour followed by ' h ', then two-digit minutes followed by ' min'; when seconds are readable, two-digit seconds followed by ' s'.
3 h 30 min
